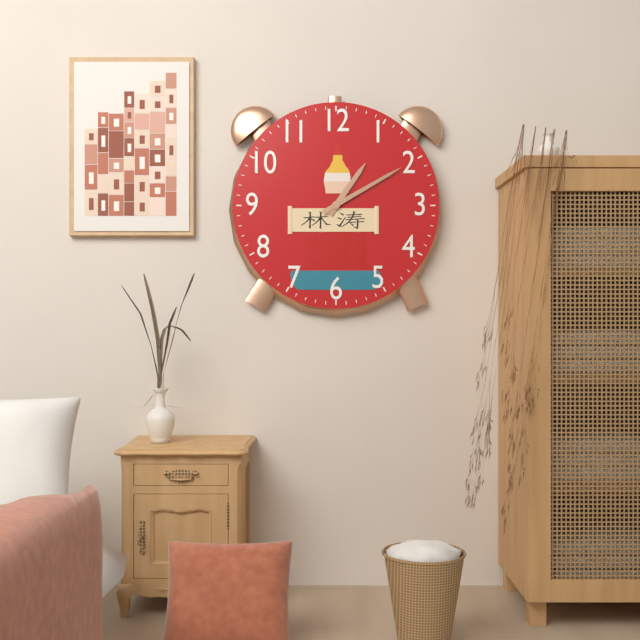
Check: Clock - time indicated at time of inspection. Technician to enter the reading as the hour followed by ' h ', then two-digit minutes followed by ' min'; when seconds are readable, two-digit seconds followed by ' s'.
1 h 10 min
